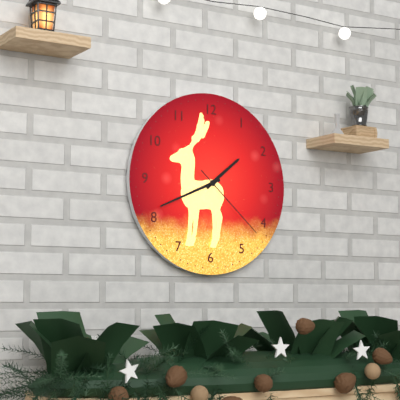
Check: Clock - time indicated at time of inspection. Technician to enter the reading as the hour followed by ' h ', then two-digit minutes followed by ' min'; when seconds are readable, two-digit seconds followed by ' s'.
1 h 41 min 22 s
